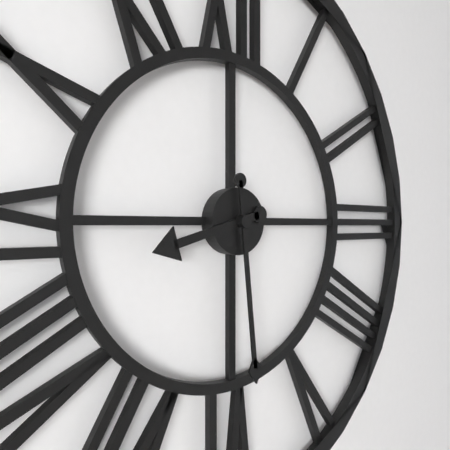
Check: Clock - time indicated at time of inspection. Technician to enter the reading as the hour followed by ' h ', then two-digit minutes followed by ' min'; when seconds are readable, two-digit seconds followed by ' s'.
8 h 29 min
